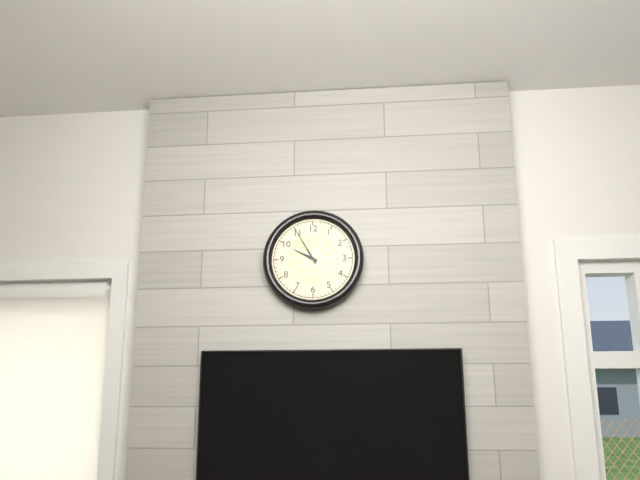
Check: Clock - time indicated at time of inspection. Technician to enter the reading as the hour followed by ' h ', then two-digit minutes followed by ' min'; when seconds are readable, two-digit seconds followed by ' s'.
9 h 55 min
